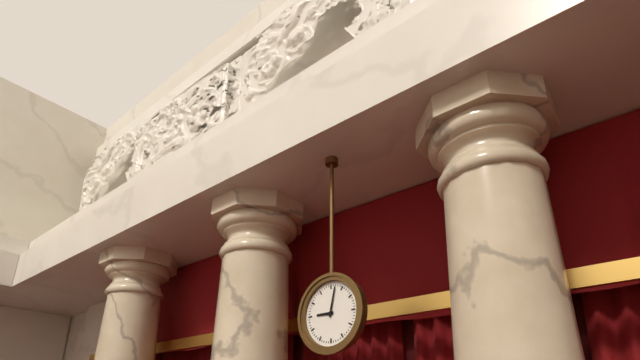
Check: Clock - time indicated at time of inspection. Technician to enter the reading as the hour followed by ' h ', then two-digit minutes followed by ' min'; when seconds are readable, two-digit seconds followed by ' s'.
9 h 02 min
